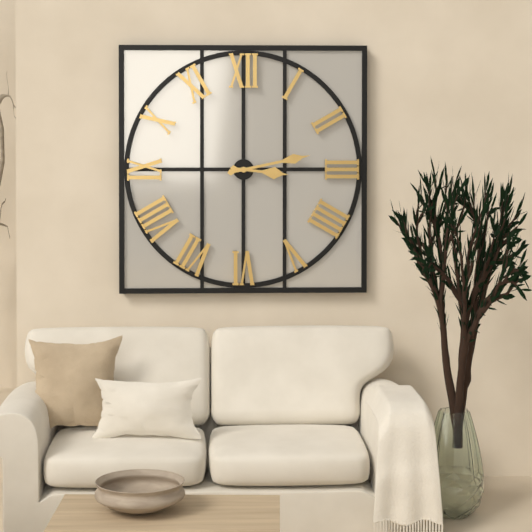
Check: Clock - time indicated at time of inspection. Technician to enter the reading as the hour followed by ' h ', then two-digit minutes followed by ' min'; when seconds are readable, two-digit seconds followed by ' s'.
3 h 13 min
